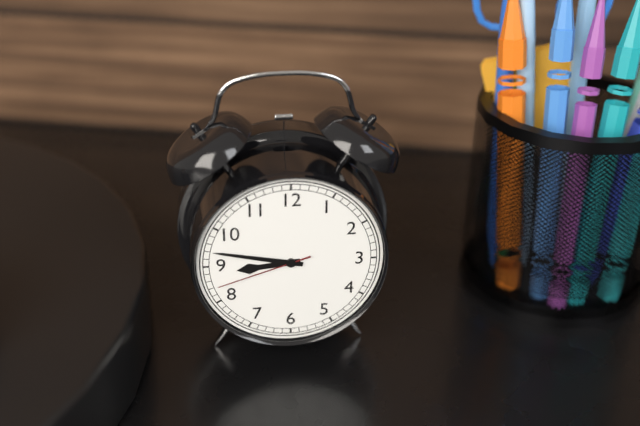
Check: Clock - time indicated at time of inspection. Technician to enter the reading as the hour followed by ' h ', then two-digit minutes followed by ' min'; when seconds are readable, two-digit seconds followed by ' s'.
8 h 47 min 42 s
